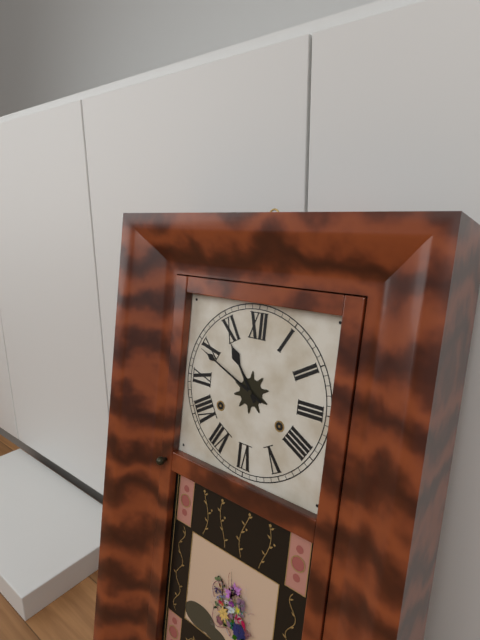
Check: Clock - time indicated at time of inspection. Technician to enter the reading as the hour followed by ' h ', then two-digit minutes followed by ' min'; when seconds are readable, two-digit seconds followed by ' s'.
10 h 49 min
